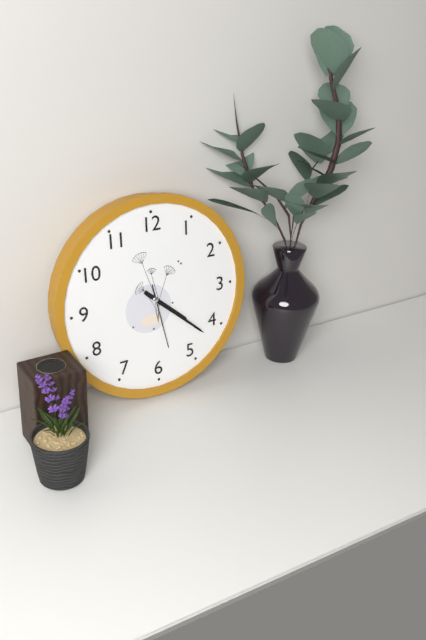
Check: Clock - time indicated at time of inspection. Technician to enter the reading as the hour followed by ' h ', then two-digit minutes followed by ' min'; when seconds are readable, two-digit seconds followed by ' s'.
4 h 22 min 28 s
